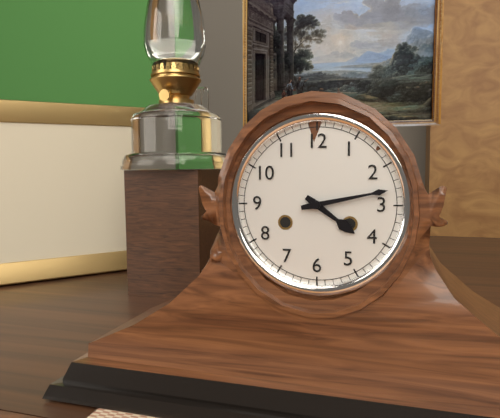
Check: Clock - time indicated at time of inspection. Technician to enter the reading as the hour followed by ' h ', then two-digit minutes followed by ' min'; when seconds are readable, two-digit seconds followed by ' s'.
4 h 13 min
